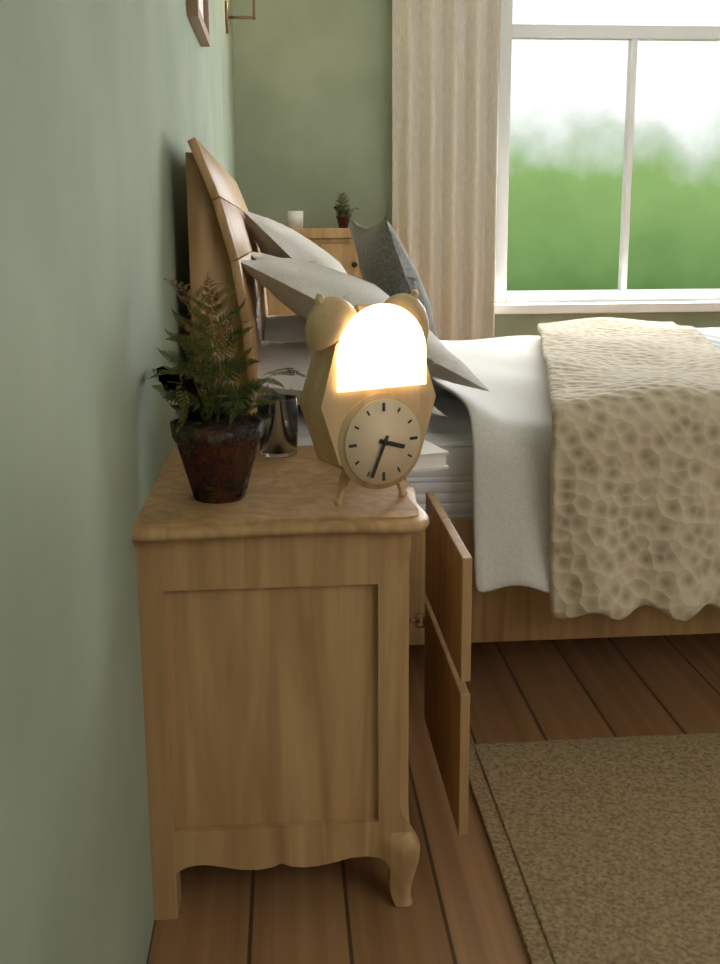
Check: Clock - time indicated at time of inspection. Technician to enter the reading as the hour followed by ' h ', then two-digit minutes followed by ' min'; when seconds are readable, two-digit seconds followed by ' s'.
3 h 34 min
